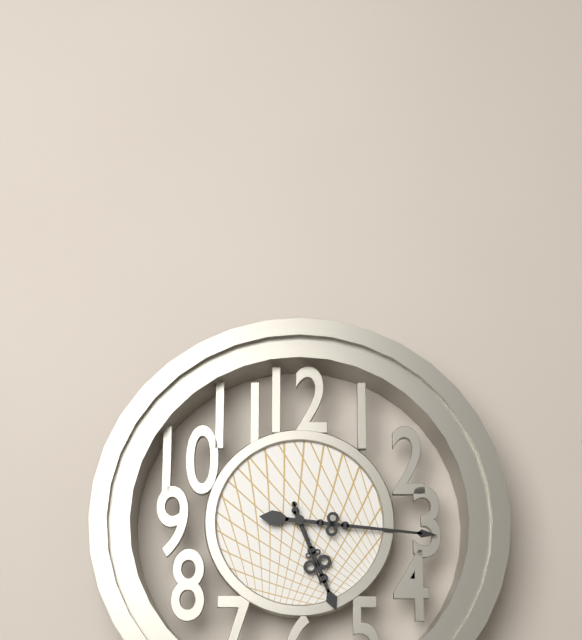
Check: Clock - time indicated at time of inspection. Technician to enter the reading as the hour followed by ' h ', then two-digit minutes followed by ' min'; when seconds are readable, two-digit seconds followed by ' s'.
5 h 16 min 27 s
